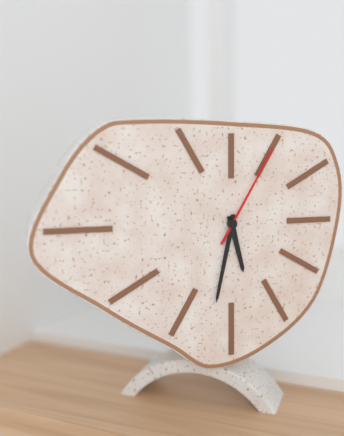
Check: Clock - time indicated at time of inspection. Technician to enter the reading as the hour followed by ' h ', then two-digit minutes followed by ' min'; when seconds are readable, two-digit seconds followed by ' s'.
5 h 32 min 05 s
